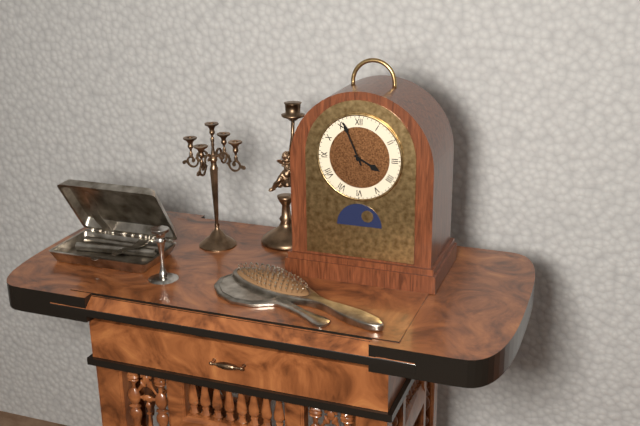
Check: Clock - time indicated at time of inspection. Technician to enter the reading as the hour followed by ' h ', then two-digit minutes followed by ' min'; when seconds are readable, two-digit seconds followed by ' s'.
3 h 56 min
